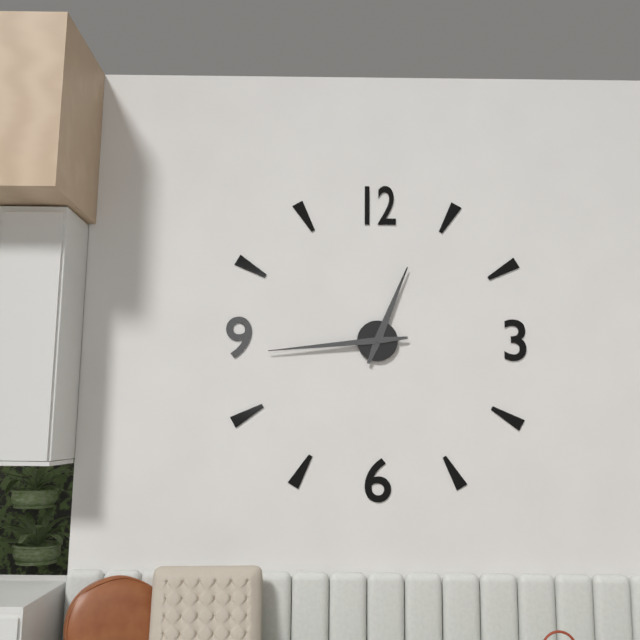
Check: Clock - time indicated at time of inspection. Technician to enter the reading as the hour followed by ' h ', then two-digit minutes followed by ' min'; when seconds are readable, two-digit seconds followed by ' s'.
12 h 44 min
